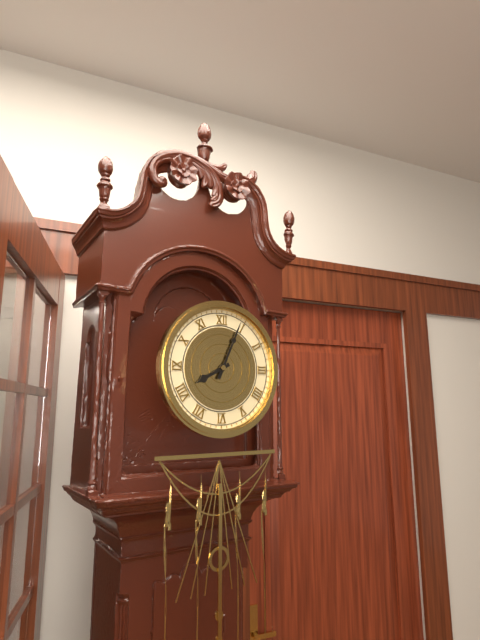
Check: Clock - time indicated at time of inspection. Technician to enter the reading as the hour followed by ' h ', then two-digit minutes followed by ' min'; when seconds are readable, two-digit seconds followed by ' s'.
8 h 04 min
